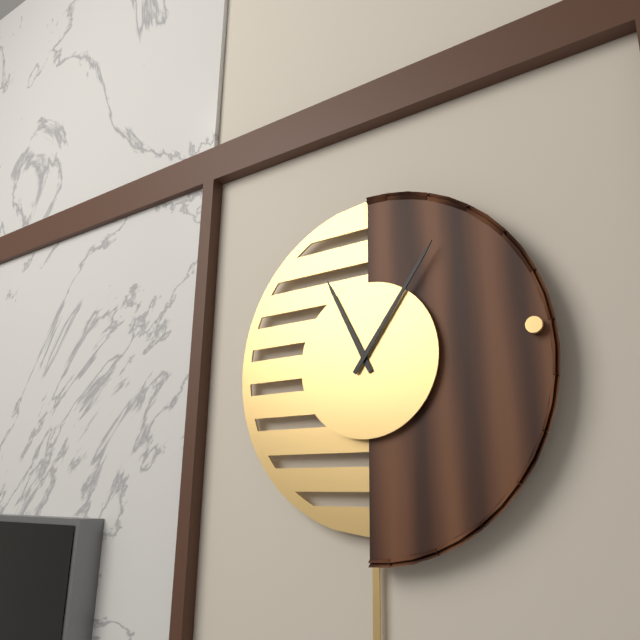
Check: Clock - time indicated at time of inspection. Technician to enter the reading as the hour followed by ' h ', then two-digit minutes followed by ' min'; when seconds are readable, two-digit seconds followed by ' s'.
11 h 06 min
